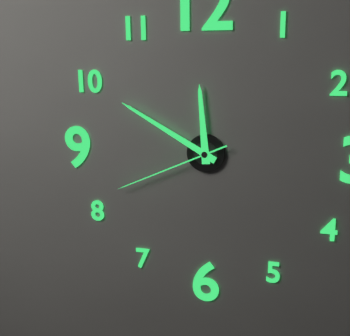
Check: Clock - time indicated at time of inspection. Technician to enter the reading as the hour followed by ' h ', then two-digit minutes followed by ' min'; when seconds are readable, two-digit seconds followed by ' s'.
11 h 50 min 41 s
